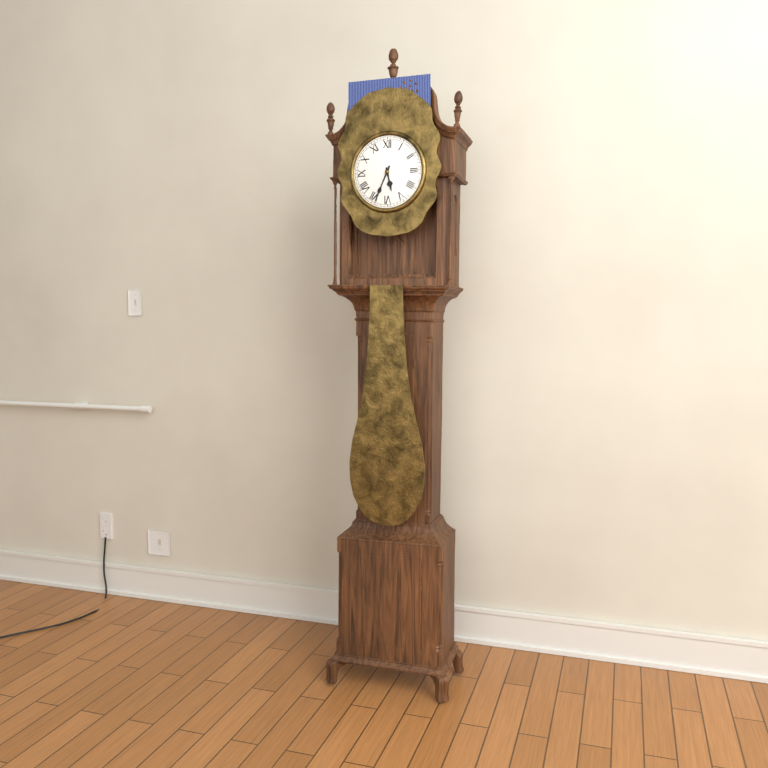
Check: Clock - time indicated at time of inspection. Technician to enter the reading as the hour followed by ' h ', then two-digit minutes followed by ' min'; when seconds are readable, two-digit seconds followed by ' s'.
5 h 34 min
